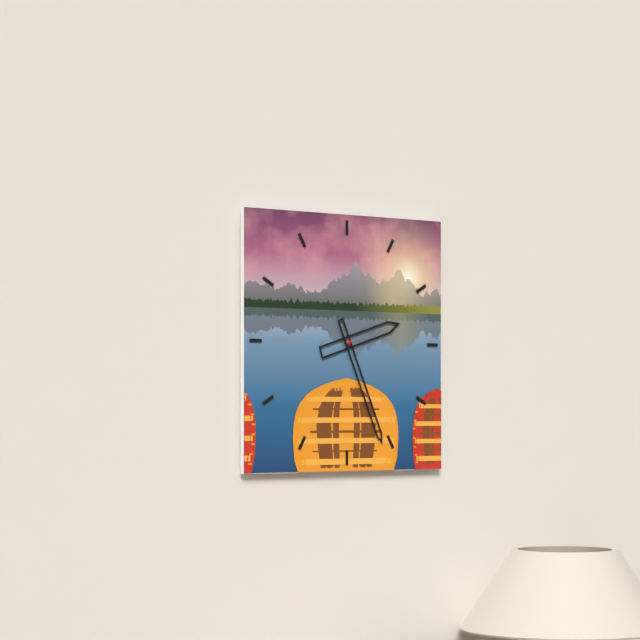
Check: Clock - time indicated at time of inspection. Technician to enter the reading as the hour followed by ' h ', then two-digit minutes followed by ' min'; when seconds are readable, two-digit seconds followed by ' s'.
2 h 26 min
